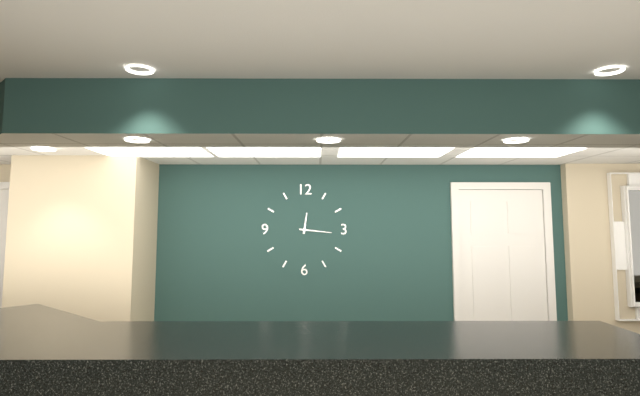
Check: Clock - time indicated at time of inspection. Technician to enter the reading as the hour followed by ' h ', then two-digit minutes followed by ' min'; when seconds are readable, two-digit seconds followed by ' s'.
12 h 16 min
